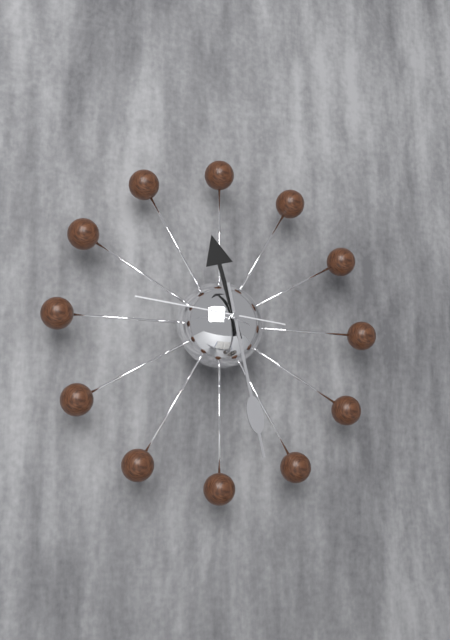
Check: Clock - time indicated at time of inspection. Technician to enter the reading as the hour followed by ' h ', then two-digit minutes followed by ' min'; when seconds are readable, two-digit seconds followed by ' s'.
11 h 28 min 46 s
